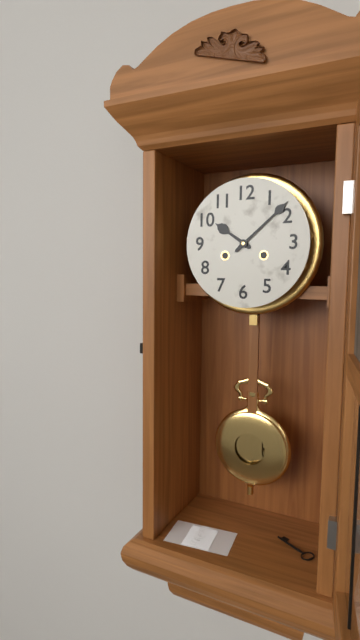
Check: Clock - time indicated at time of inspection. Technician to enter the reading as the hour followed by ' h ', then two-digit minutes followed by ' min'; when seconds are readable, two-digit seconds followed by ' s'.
10 h 08 min
